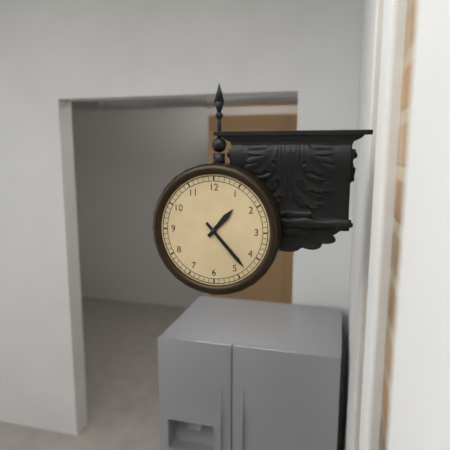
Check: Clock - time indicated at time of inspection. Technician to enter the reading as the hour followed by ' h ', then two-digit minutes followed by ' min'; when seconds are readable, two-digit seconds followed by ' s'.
1 h 23 min
